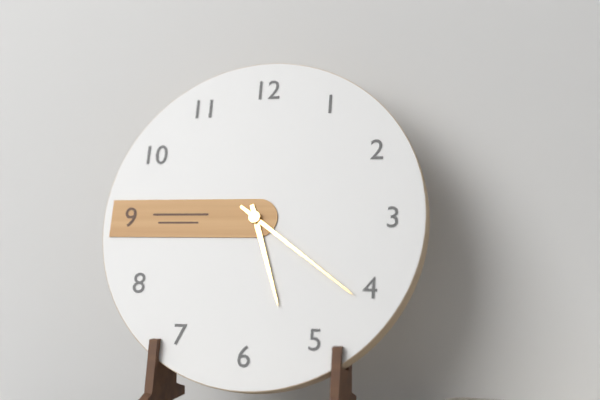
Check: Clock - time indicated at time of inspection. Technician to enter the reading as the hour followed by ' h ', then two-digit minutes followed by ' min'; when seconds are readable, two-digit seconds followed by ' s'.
5 h 21 min
